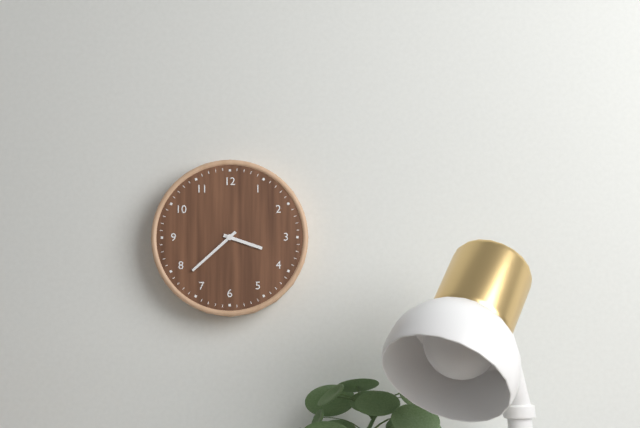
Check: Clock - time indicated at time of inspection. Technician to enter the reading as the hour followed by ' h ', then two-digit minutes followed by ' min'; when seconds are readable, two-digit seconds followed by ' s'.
3 h 38 min
